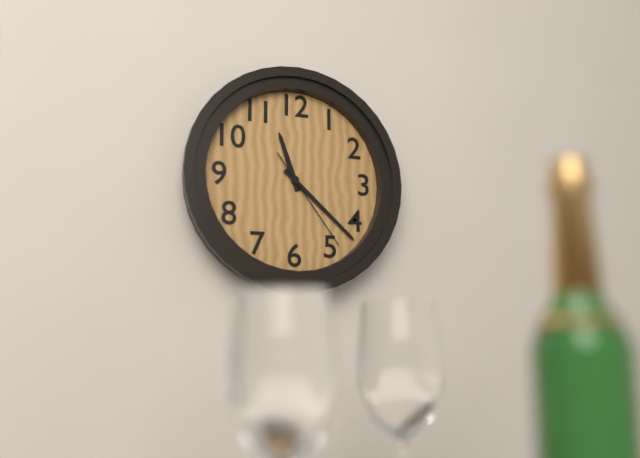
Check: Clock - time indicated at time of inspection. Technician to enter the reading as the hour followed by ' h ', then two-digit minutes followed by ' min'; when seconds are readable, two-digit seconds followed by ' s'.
11 h 22 min 24 s
